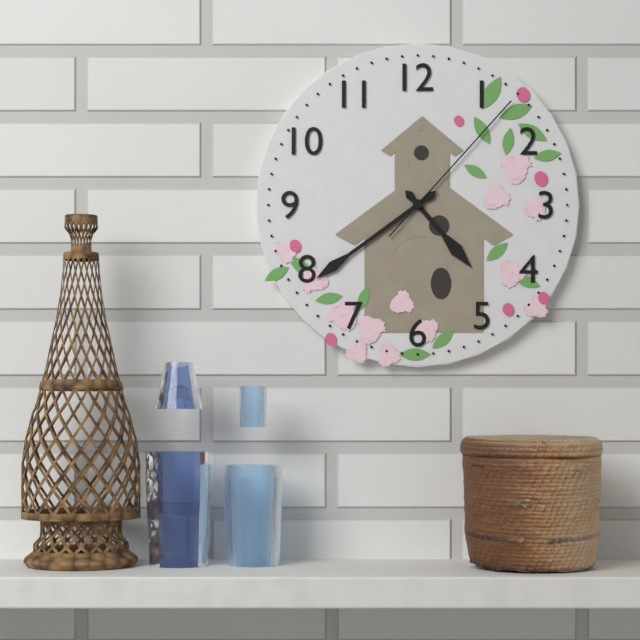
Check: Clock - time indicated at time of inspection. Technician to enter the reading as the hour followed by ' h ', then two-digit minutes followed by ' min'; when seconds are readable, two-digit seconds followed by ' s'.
4 h 39 min 07 s
